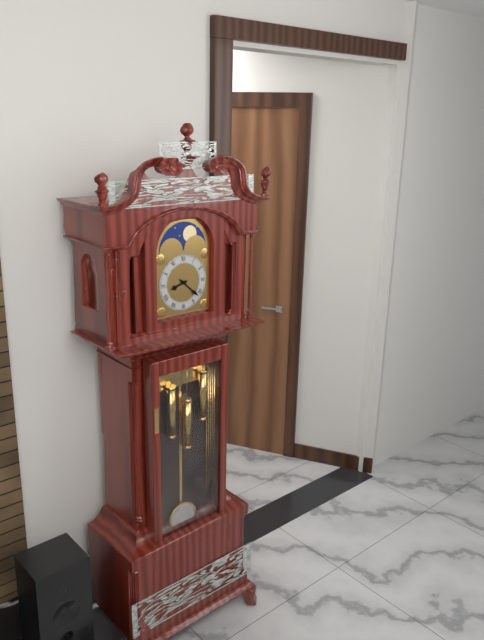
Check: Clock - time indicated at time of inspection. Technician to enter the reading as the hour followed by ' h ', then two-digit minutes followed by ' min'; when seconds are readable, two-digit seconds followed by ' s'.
8 h 22 min
